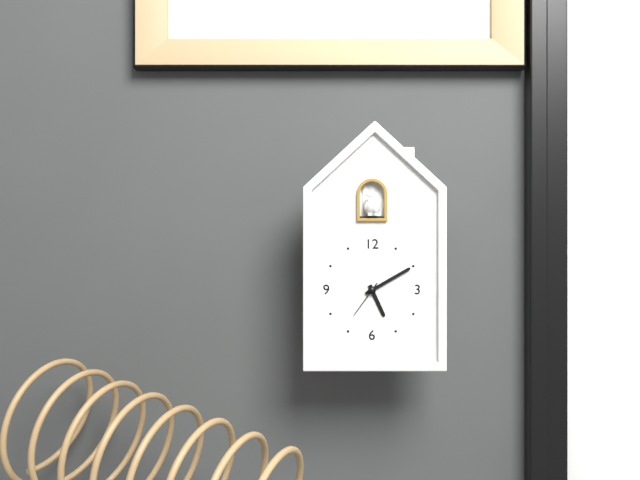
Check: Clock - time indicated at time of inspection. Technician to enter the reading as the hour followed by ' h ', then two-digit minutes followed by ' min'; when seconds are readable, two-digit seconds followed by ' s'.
5 h 10 min
